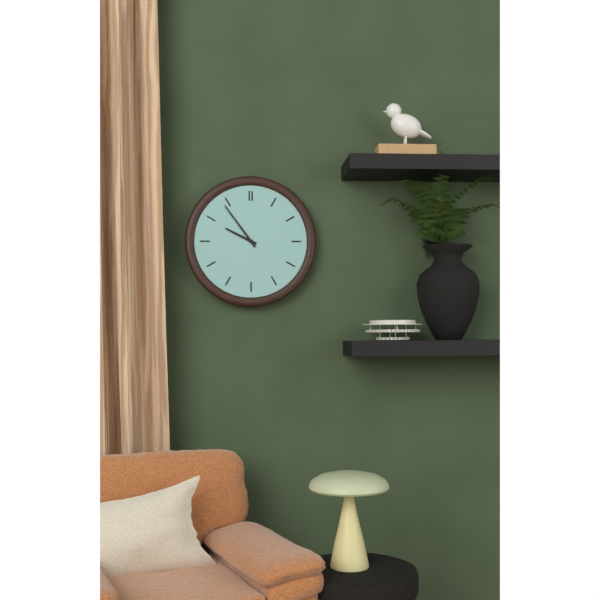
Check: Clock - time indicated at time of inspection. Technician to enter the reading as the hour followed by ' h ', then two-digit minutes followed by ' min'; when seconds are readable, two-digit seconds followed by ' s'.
9 h 54 min
